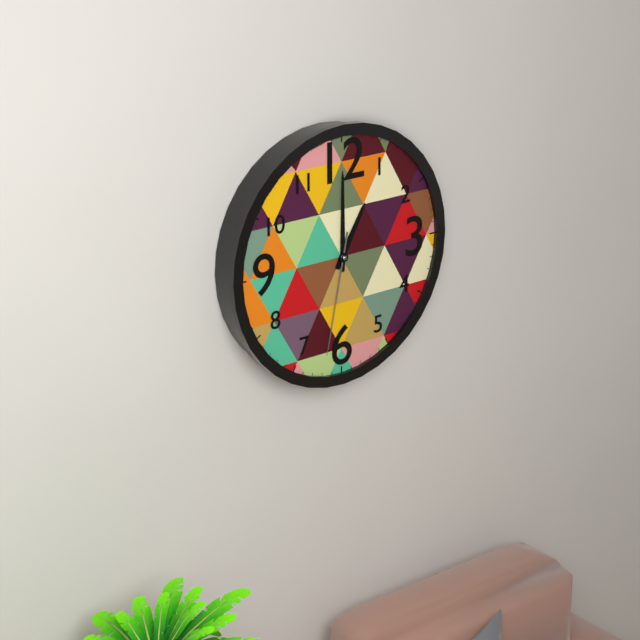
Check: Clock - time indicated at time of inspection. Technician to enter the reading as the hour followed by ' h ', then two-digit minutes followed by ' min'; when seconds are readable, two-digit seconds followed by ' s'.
1 h 00 min 32 s
